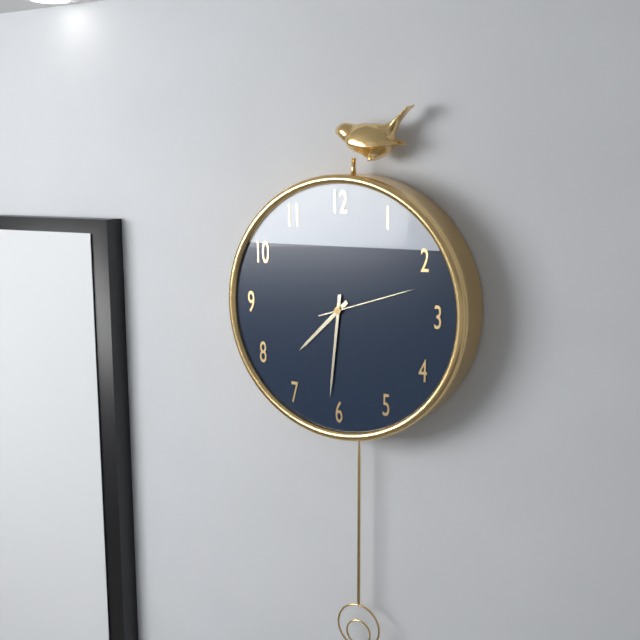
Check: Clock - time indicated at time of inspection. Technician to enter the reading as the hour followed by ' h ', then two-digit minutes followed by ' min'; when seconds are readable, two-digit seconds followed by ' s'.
7 h 31 min 12 s
